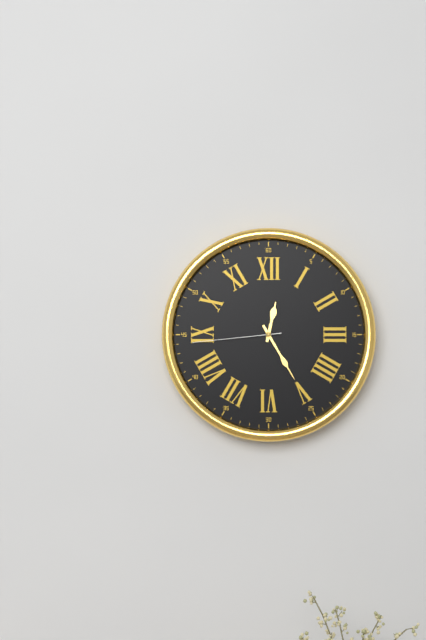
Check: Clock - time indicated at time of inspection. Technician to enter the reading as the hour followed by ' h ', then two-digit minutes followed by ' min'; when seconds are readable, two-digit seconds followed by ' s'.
12 h 25 min 44 s
